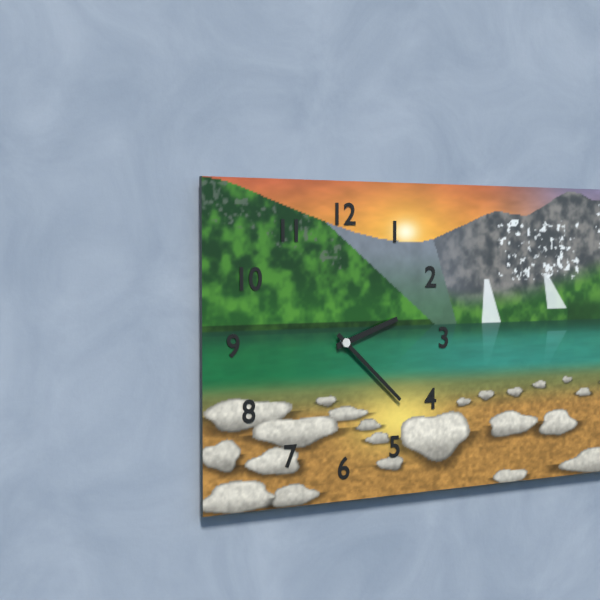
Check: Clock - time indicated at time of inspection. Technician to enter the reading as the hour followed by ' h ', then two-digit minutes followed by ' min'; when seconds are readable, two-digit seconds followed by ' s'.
2 h 22 min
